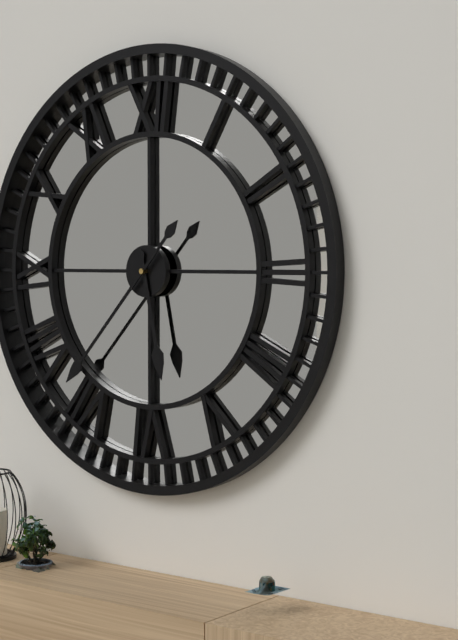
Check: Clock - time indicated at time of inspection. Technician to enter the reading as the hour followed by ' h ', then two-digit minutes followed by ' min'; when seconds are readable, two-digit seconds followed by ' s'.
5 h 37 min
